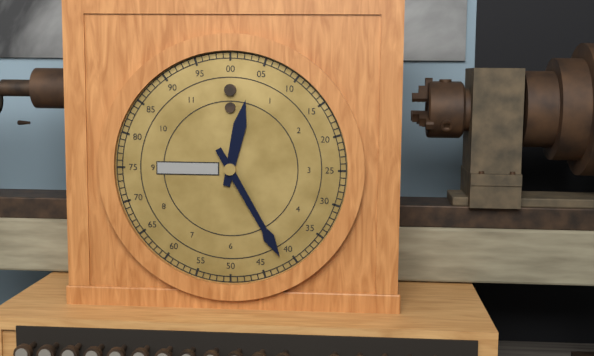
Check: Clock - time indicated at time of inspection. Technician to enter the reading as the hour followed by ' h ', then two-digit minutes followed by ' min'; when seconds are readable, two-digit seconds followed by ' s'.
12 h 25 min
